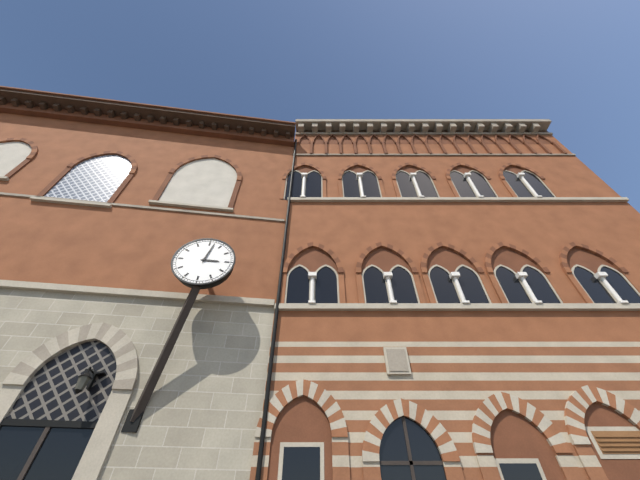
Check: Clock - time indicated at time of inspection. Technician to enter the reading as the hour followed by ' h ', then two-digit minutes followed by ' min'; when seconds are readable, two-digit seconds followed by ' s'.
3 h 02 min
